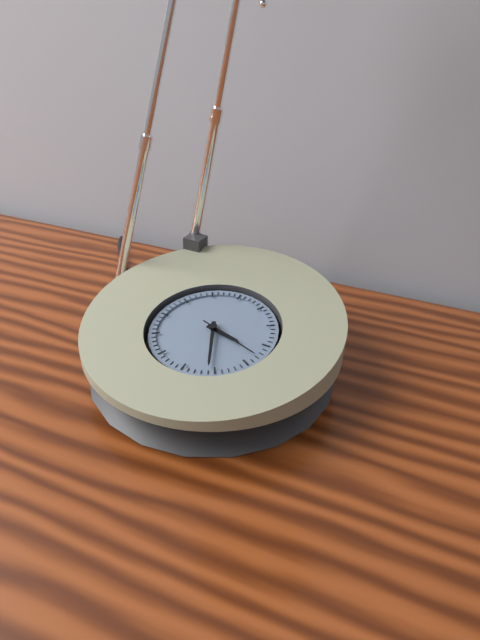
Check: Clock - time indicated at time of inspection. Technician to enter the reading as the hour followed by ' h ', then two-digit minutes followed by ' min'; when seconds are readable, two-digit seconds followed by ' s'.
3 h 26 min 18 s
